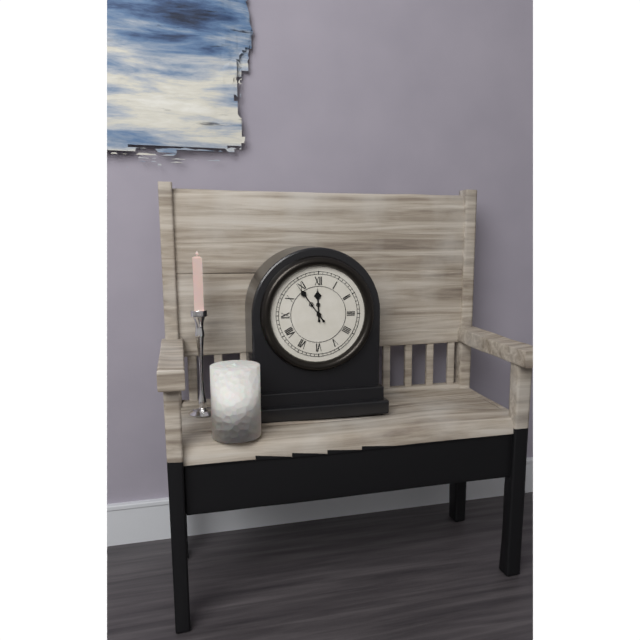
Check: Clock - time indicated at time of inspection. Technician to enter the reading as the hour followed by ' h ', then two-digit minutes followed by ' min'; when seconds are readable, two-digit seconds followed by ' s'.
11 h 54 min
